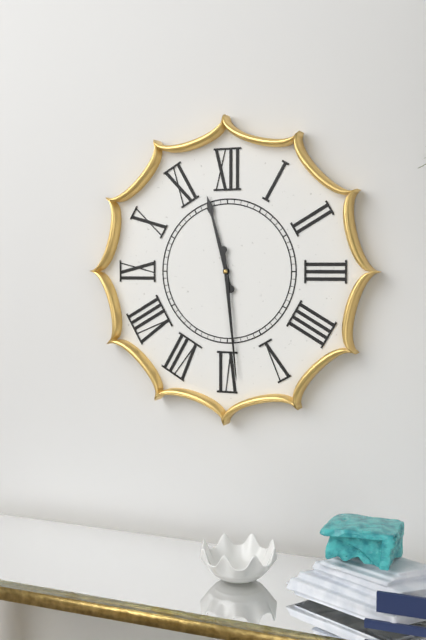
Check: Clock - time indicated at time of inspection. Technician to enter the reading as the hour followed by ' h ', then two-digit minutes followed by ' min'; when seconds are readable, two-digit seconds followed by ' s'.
11 h 29 min
